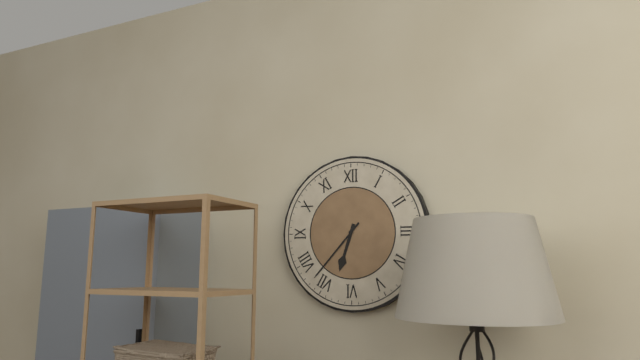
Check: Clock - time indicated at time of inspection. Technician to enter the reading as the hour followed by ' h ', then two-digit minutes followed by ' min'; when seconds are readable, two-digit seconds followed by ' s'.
6 h 37 min
